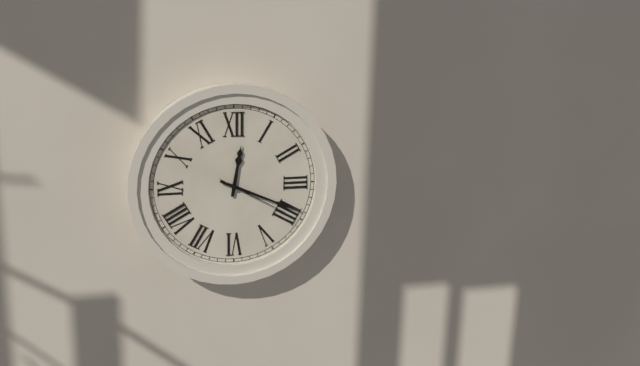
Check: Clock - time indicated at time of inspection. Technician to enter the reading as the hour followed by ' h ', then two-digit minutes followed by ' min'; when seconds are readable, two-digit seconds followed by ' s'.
12 h 19 min 20 s
